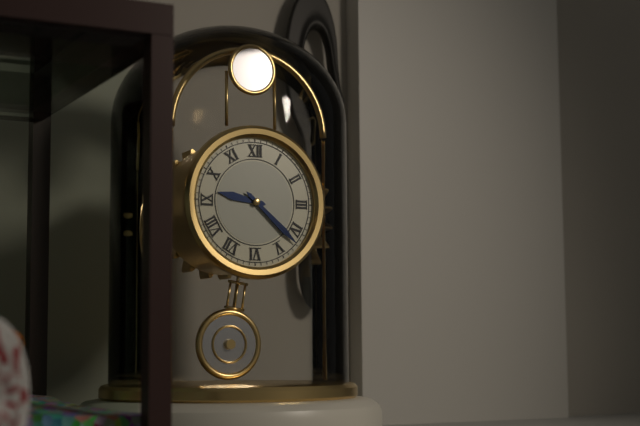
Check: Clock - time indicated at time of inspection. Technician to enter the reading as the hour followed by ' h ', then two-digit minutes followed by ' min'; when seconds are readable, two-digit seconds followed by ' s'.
9 h 22 min
